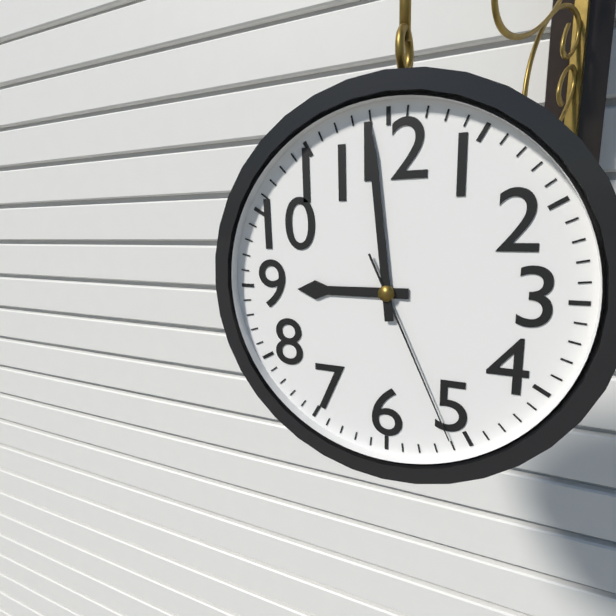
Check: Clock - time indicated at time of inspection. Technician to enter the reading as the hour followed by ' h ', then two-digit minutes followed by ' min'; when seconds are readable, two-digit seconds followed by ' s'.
8 h 59 min 26 s
